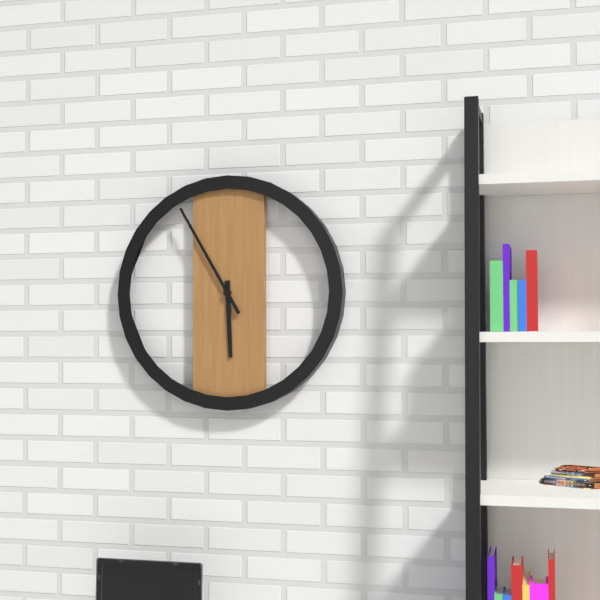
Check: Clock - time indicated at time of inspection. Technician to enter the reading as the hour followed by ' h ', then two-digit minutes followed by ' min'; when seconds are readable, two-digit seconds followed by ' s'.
5 h 55 min
